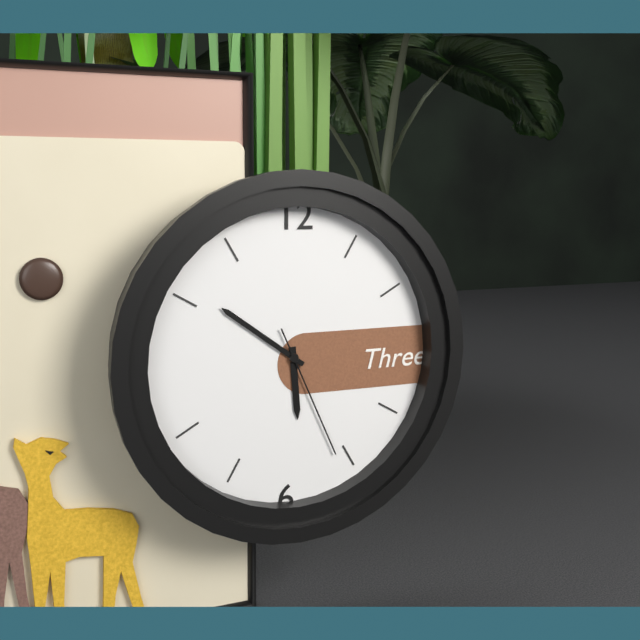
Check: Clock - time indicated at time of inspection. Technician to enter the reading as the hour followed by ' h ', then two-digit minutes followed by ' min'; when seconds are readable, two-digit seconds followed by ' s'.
5 h 51 min 26 s
